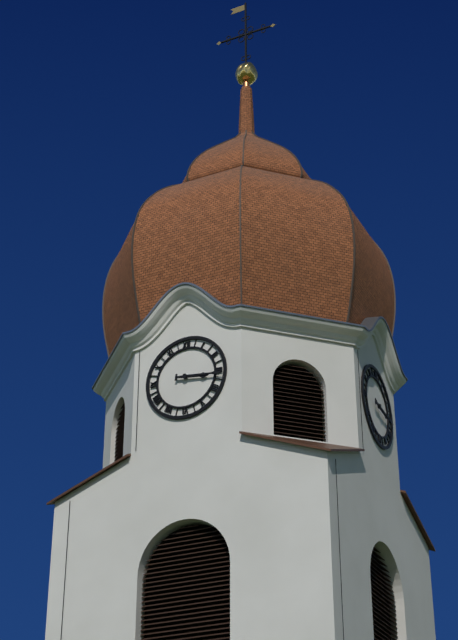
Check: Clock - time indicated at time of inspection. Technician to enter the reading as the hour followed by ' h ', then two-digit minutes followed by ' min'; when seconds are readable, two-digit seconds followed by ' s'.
3 h 16 min
